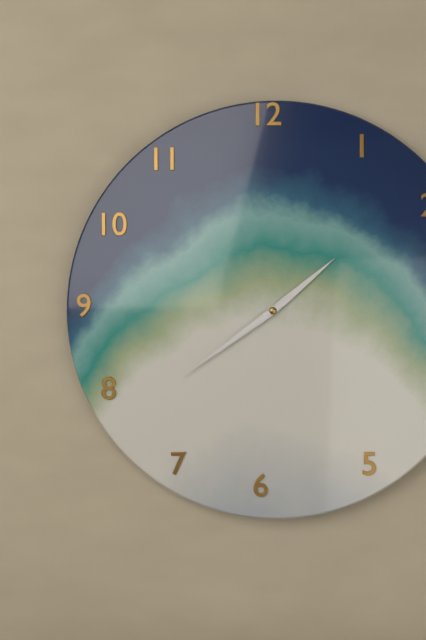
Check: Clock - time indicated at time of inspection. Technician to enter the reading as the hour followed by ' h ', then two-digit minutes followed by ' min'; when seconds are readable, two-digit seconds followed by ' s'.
1 h 39 min
